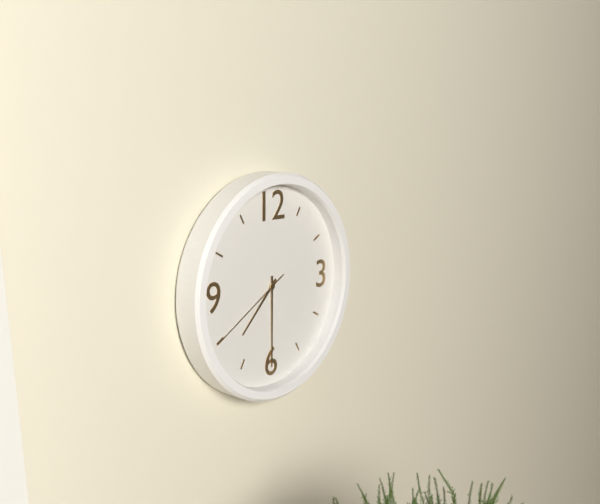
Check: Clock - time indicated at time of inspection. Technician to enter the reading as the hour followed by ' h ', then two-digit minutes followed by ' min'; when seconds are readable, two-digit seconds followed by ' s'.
7 h 30 min 40 s
